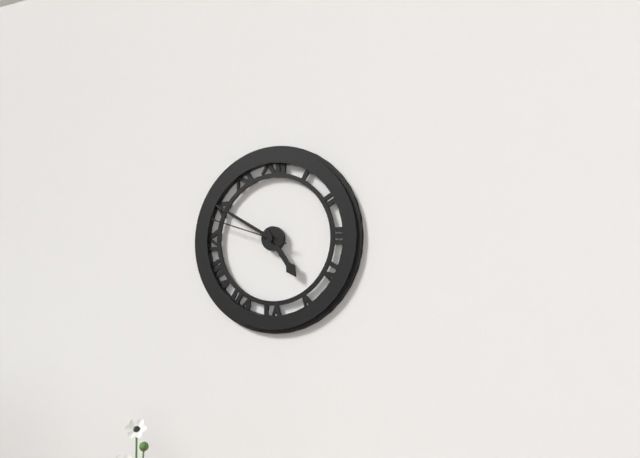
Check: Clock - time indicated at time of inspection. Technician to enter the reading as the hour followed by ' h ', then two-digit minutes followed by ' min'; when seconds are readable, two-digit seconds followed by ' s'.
4 h 50 min 48 s
